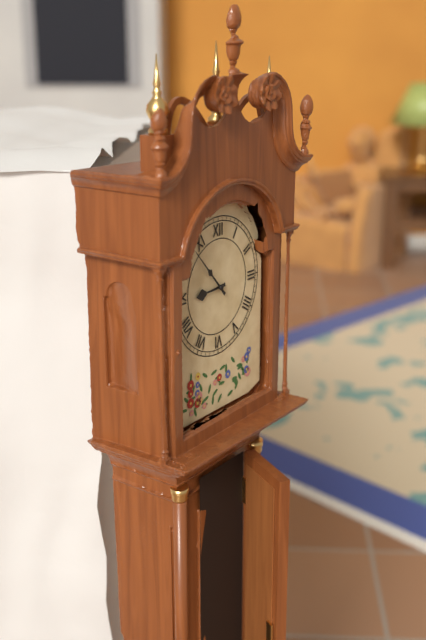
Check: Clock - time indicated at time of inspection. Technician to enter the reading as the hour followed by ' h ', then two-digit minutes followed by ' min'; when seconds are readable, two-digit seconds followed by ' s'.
8 h 53 min
